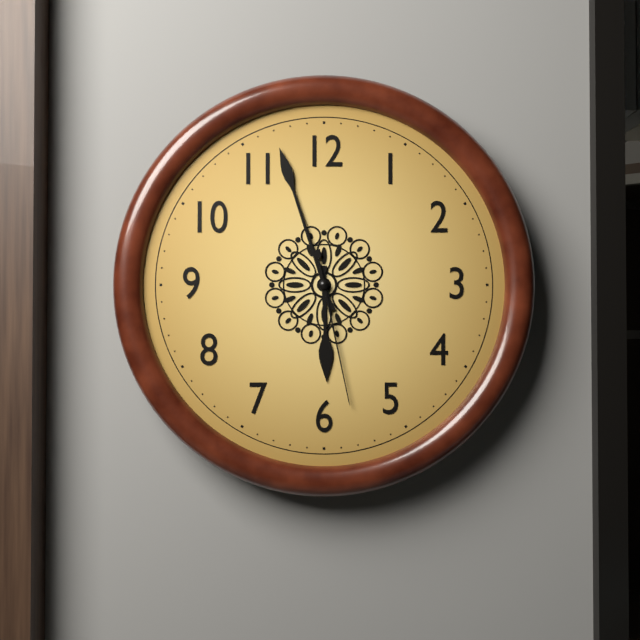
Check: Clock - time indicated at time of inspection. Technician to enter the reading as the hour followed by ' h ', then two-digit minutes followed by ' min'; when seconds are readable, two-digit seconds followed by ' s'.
5 h 57 min 28 s
